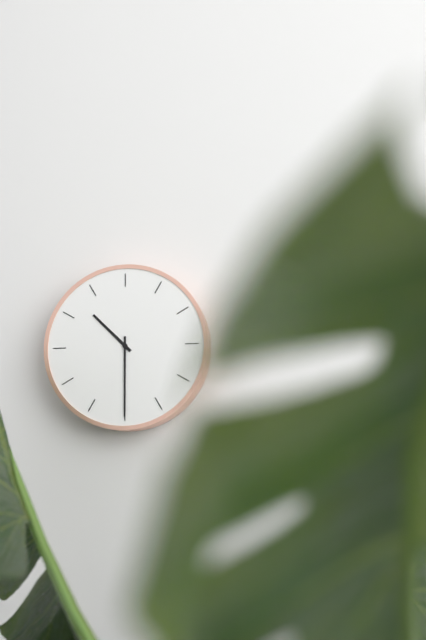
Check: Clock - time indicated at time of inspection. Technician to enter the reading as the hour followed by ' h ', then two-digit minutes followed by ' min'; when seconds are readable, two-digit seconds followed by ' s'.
10 h 30 min
